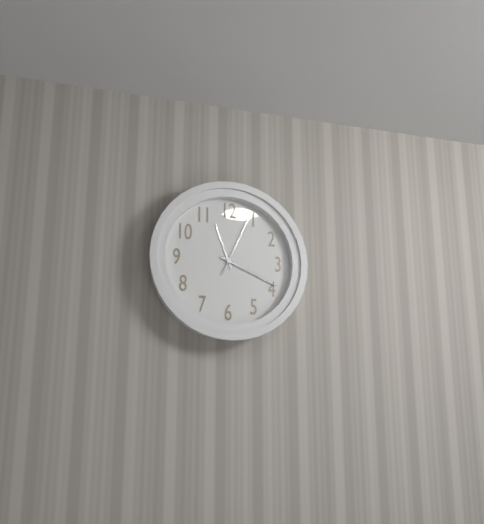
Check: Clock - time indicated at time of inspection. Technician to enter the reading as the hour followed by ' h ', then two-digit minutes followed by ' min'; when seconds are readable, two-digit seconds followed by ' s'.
11 h 19 min 04 s
